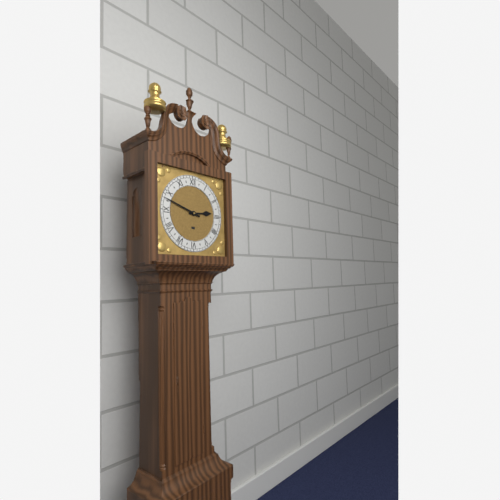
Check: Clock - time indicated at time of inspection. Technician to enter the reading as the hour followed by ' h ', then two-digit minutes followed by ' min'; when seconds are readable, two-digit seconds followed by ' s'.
2 h 48 min
